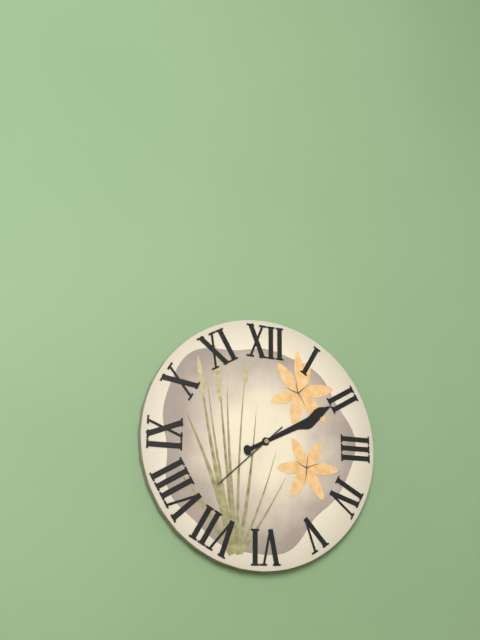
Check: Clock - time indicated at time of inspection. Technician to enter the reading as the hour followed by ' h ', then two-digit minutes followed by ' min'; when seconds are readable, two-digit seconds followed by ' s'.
2 h 10 min 38 s
